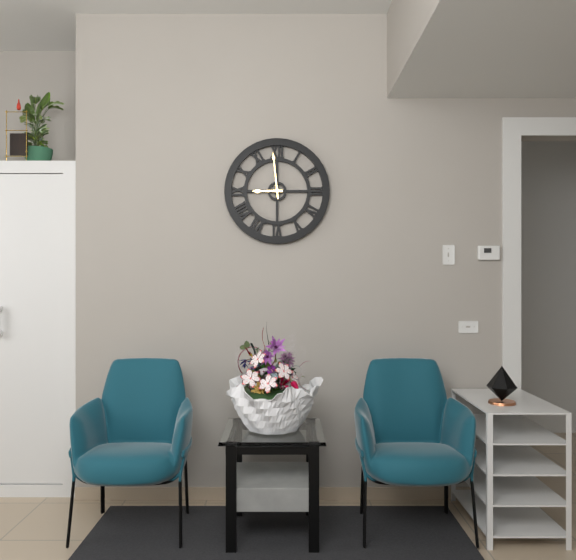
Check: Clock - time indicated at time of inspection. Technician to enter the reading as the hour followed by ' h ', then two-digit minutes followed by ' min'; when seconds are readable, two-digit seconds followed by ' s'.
8 h 59 min
